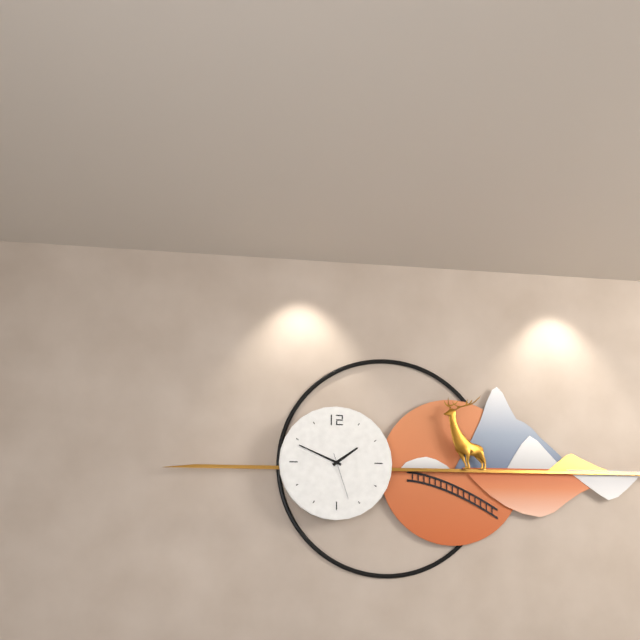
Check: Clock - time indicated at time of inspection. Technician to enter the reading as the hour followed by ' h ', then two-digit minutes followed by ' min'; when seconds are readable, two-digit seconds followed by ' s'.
1 h 49 min
